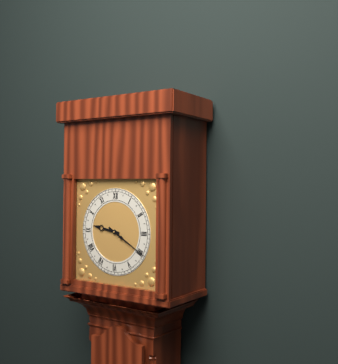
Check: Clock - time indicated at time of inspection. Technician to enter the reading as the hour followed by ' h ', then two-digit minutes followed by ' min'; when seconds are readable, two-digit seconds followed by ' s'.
9 h 20 min
